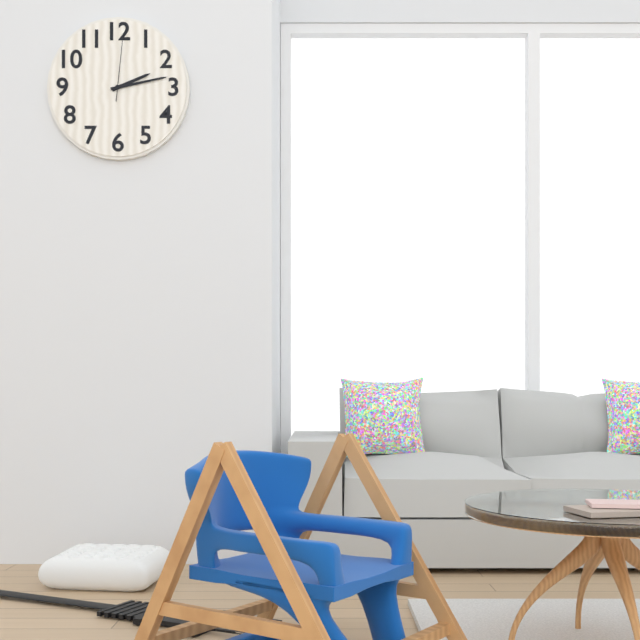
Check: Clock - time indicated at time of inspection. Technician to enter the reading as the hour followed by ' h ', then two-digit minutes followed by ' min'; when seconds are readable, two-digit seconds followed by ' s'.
2 h 13 min 01 s
